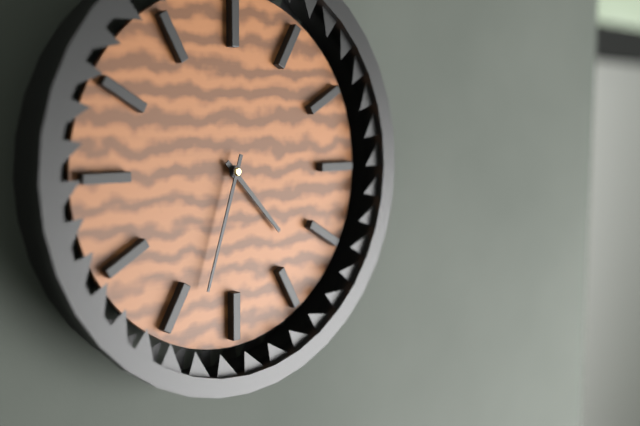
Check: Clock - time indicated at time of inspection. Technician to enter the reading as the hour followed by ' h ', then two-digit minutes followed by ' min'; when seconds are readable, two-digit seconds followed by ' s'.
4 h 33 min
